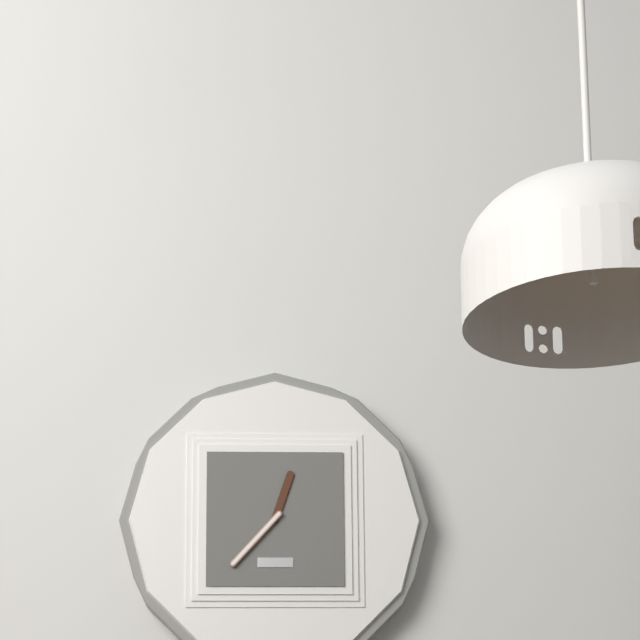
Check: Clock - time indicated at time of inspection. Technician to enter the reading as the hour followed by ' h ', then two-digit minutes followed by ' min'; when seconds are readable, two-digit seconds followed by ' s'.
12 h 37 min
